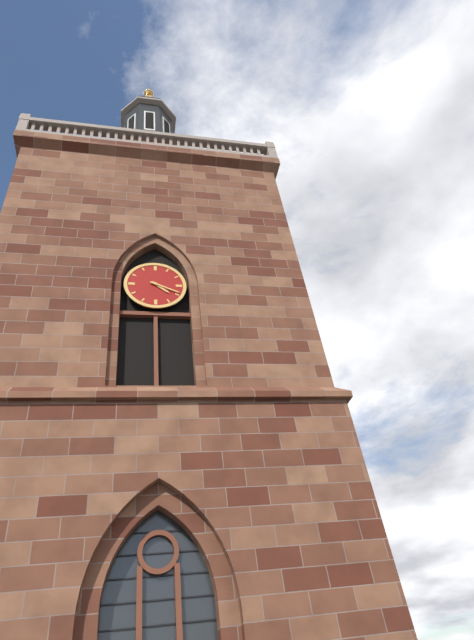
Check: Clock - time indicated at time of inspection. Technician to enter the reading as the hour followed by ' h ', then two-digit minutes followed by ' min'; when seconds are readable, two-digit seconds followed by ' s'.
4 h 19 min
